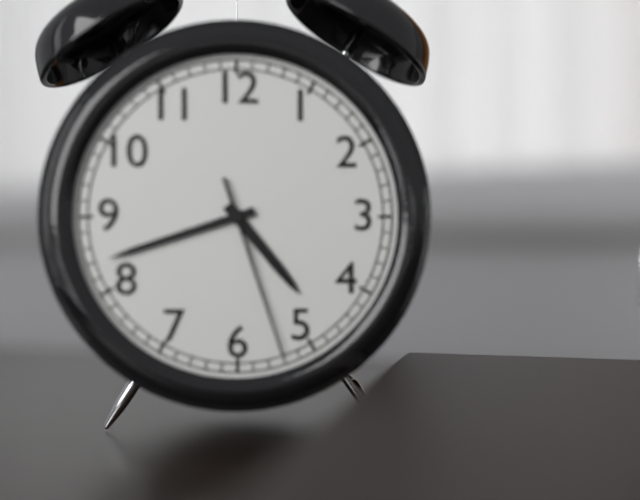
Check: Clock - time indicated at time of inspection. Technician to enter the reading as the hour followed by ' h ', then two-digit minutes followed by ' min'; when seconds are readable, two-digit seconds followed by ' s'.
4 h 42 min 27 s
